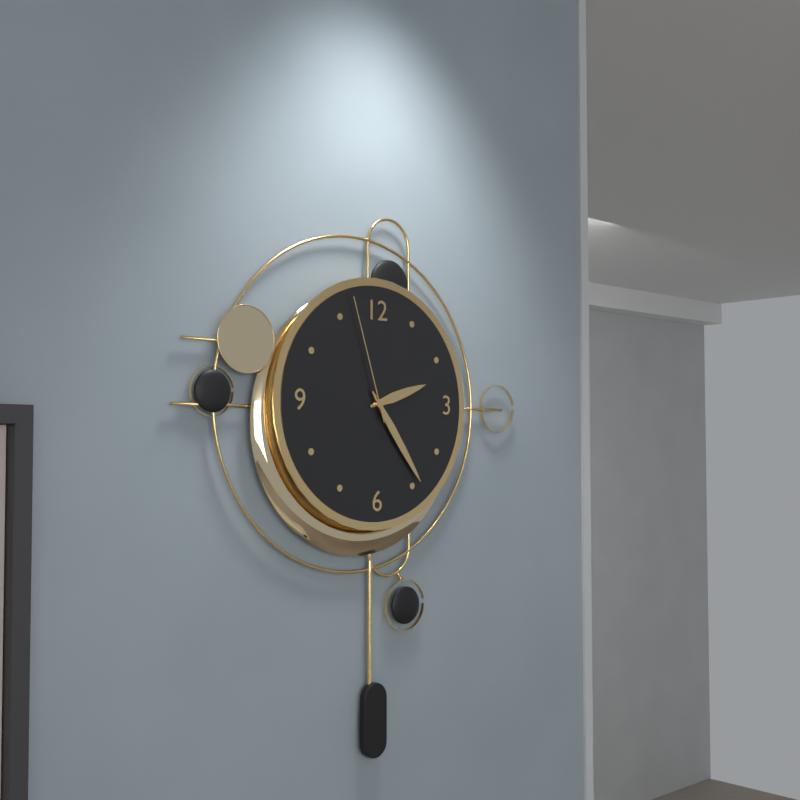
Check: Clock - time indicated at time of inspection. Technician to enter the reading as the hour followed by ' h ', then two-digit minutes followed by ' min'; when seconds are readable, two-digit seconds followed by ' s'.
2 h 24 min 57 s
